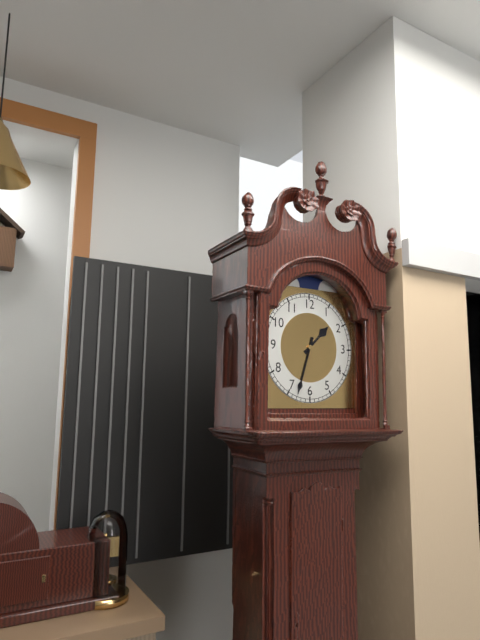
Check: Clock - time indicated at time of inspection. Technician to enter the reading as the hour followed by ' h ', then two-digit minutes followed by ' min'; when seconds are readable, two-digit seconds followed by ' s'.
1 h 33 min
